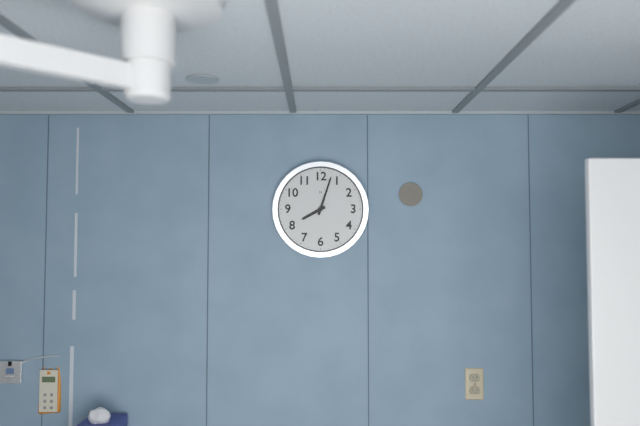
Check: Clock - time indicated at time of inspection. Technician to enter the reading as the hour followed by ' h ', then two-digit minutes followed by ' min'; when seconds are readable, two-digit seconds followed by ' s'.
8 h 03 min
